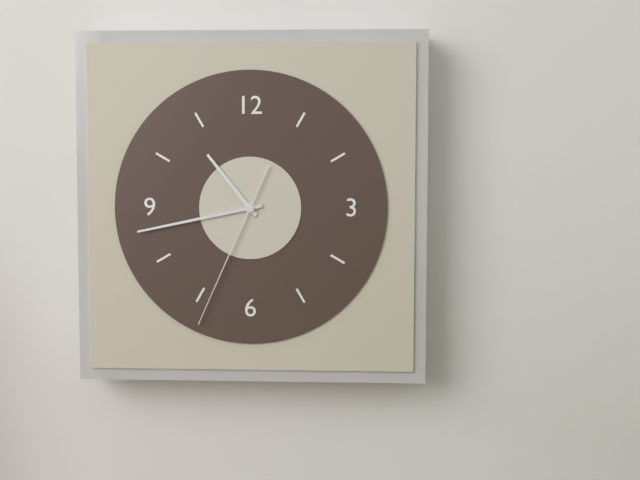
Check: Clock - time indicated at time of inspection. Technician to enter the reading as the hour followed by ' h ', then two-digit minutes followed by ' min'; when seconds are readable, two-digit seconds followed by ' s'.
10 h 43 min 34 s
